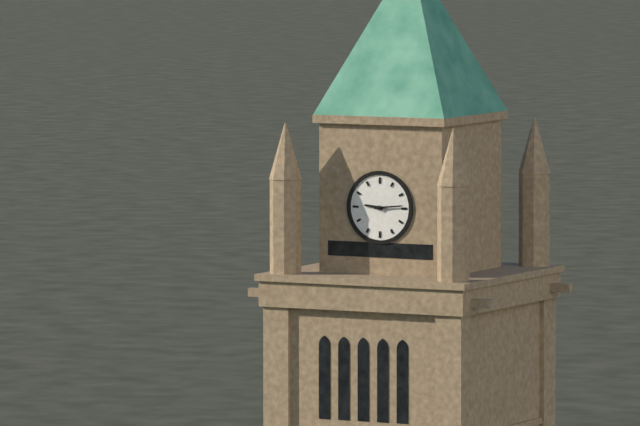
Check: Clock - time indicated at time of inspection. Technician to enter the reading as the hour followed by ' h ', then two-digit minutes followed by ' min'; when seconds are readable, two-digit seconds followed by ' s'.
9 h 14 min
